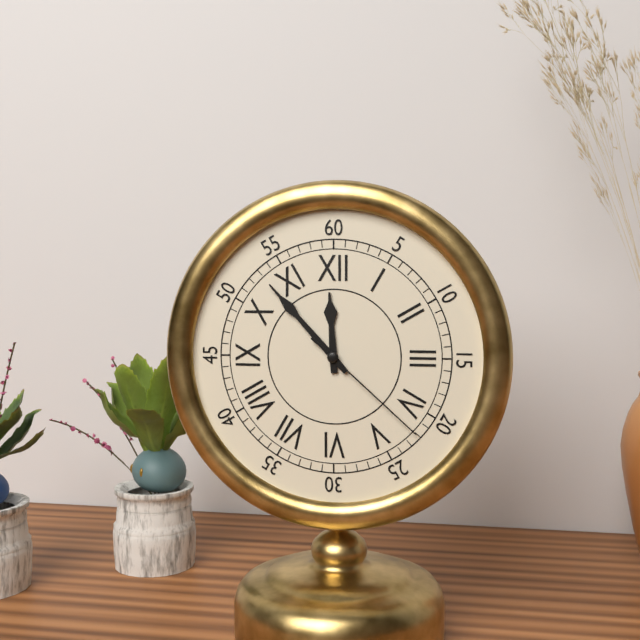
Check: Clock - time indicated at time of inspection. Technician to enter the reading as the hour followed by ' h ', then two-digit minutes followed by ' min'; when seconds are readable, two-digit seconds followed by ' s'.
11 h 53 min 22 s
